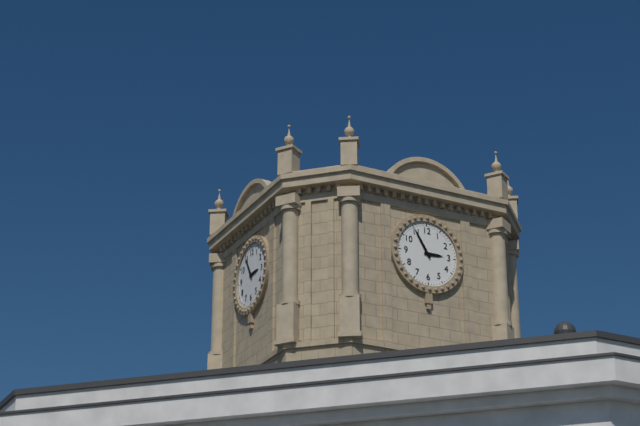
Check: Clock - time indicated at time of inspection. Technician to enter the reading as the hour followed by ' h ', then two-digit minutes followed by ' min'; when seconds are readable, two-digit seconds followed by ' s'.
2 h 55 min
